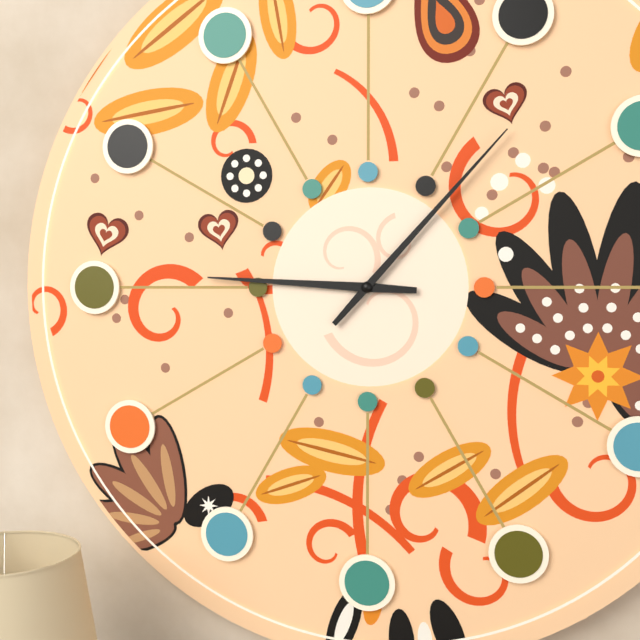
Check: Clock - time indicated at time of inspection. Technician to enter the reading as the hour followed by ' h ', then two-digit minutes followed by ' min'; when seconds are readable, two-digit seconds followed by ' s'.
9 h 07 min
